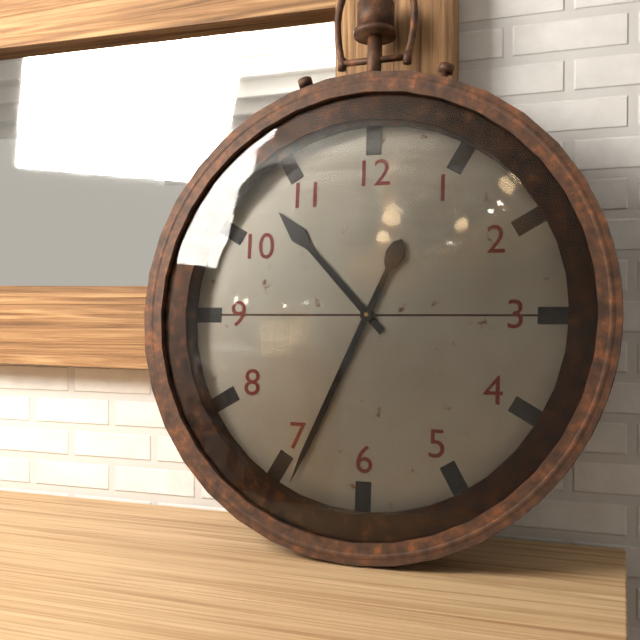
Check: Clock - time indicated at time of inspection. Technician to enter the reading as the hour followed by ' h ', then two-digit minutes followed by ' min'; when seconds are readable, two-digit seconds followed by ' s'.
10 h 34 min
